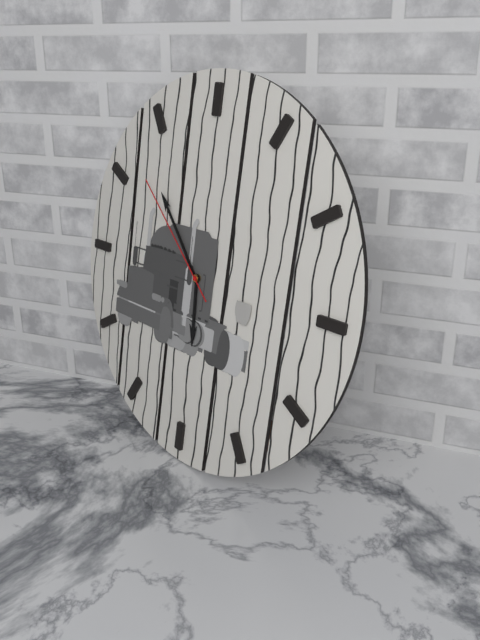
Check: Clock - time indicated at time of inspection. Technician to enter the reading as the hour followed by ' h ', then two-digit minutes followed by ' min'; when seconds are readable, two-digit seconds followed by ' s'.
5 h 53 min 52 s
